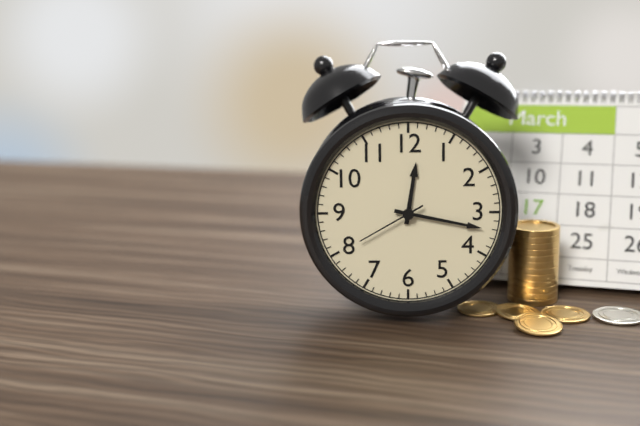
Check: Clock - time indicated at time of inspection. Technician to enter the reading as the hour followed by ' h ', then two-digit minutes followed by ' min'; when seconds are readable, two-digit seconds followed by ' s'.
12 h 17 min 40 s
